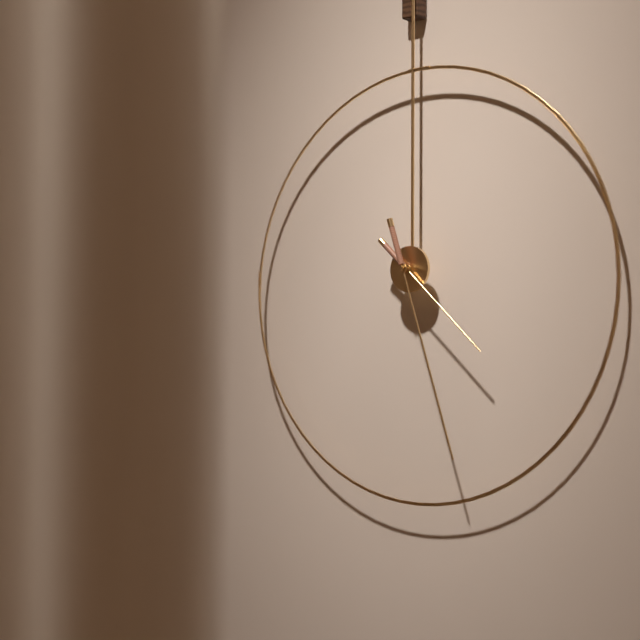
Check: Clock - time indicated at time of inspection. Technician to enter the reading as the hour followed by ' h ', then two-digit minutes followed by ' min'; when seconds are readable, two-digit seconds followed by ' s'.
4 h 27 min
